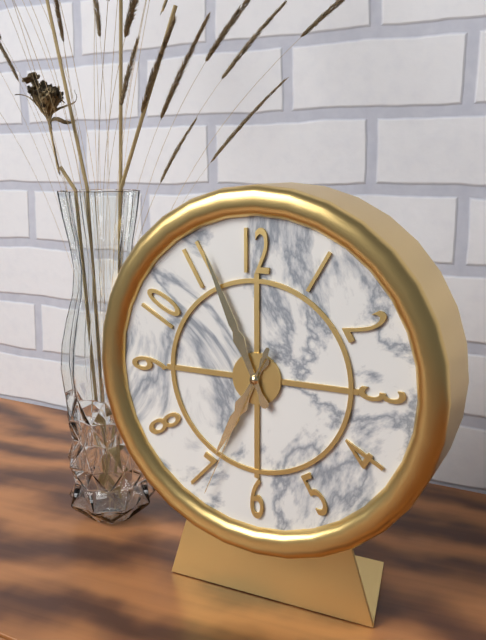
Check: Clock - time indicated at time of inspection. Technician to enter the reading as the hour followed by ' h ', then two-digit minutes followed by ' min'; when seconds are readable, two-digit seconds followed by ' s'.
6 h 56 min 34 s
